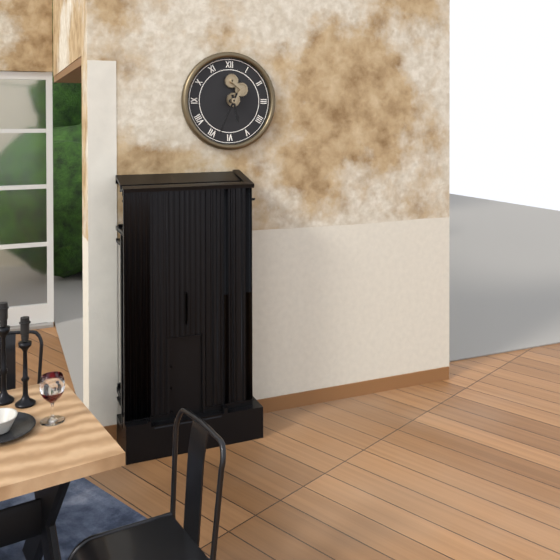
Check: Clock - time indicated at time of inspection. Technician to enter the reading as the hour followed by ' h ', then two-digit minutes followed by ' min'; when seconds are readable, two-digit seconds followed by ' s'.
5 h 34 min
